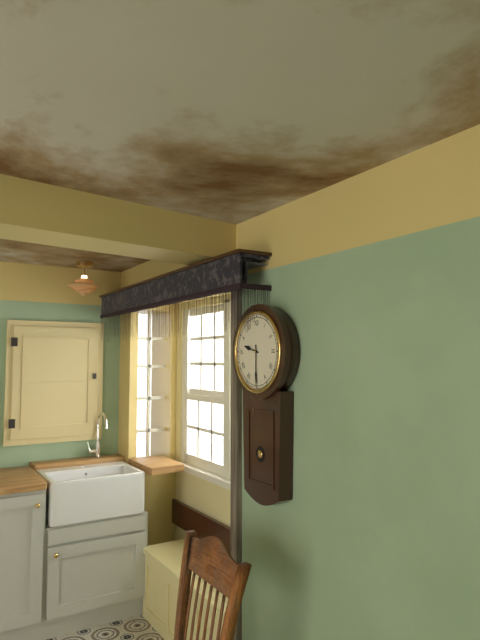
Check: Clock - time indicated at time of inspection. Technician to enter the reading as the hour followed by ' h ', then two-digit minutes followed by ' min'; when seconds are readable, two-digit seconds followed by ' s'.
9 h 30 min
